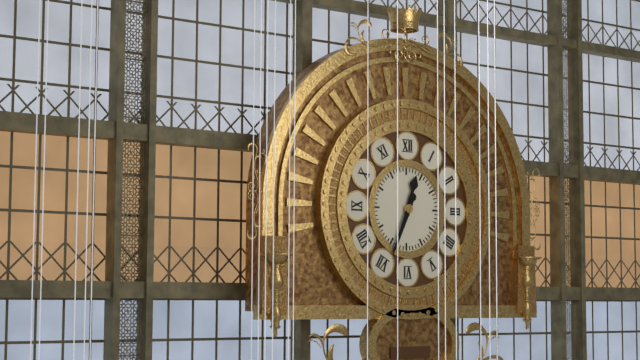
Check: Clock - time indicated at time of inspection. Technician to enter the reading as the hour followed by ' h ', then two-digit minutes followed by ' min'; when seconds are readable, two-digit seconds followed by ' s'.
12 h 34 min
